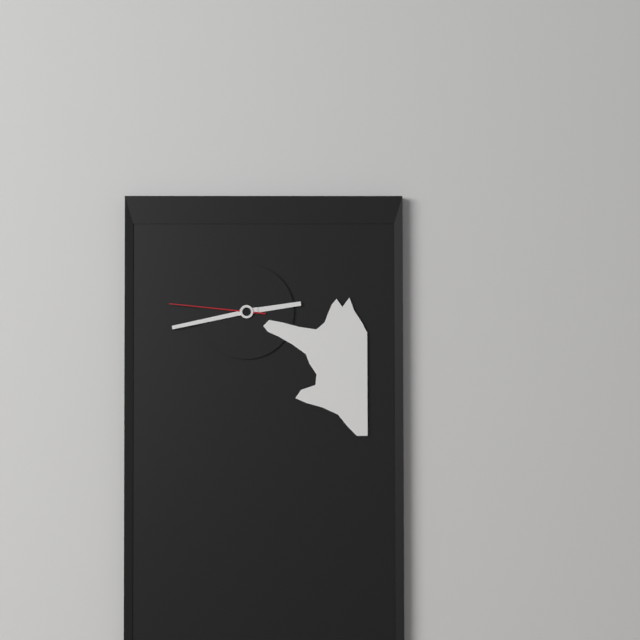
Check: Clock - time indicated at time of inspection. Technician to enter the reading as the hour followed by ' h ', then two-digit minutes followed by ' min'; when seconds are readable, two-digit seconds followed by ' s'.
2 h 43 min 46 s
